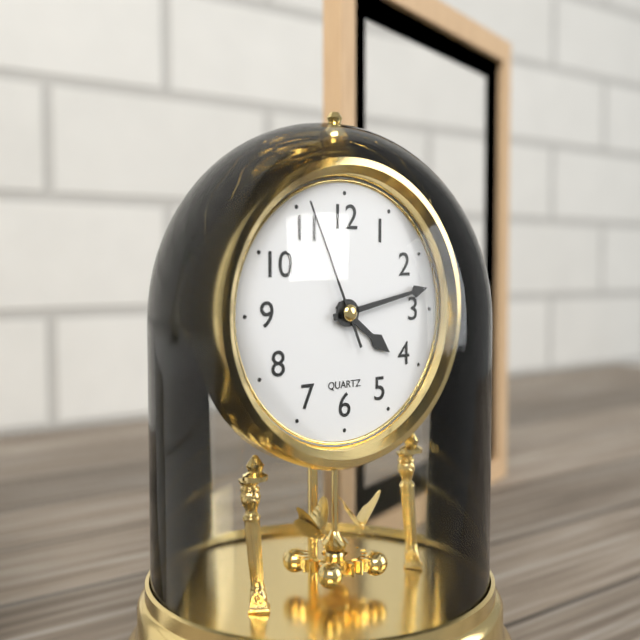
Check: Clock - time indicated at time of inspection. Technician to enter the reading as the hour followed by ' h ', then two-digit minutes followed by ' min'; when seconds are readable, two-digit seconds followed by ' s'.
4 h 13 min 56 s
